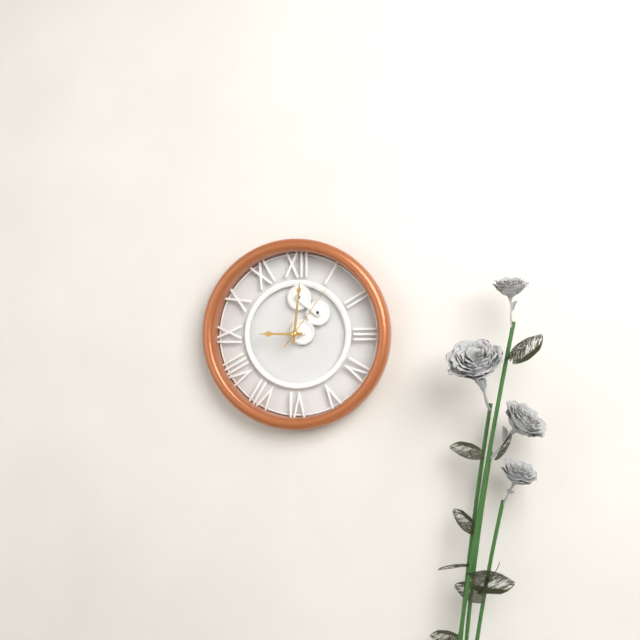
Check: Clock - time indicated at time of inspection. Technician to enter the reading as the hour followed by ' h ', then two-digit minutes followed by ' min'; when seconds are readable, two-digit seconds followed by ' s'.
9 h 01 min 06 s
